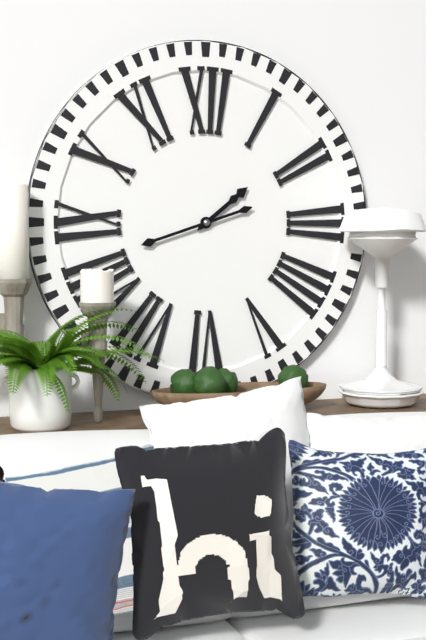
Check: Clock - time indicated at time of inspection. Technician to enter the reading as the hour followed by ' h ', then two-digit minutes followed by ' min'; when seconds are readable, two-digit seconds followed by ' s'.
1 h 42 min
